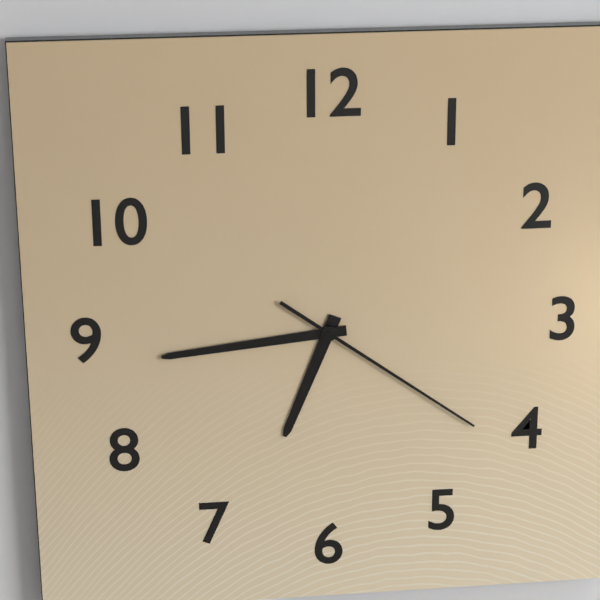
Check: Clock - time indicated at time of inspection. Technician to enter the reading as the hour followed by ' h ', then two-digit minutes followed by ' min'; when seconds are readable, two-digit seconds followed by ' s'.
6 h 44 min 21 s
